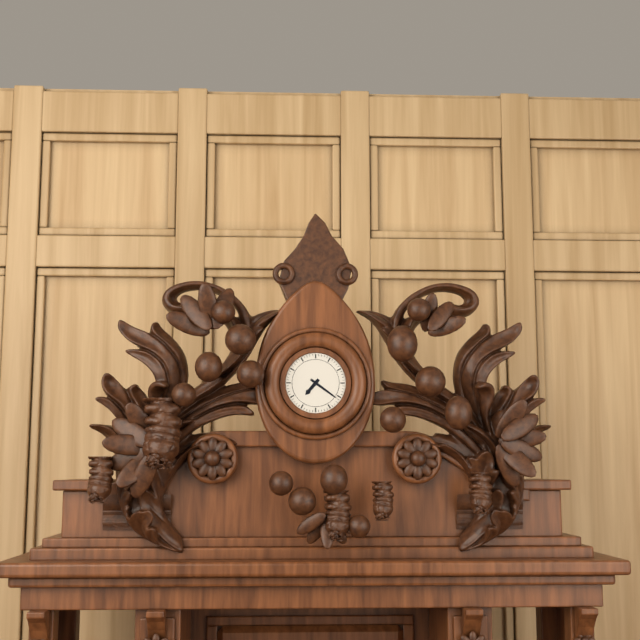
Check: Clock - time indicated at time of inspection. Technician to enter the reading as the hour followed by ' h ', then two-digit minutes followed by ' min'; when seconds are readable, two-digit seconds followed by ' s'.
7 h 21 min
